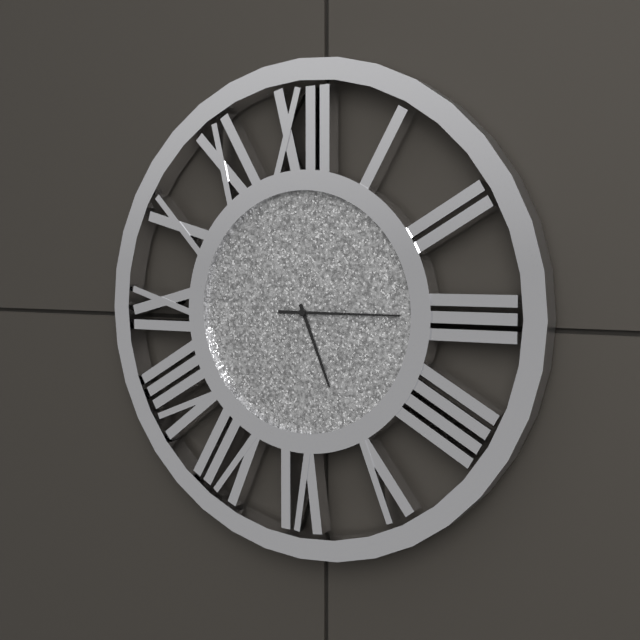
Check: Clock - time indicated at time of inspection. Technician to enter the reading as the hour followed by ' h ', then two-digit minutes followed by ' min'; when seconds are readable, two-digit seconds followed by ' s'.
5 h 15 min
